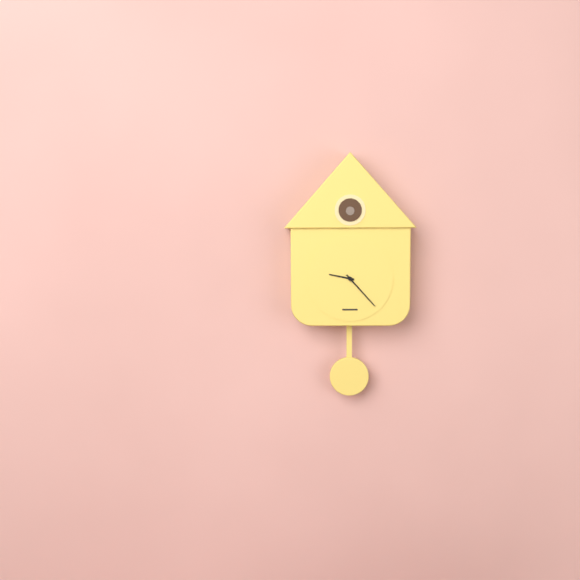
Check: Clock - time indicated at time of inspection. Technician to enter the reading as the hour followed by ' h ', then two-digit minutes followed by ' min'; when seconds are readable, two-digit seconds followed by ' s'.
9 h 23 min
